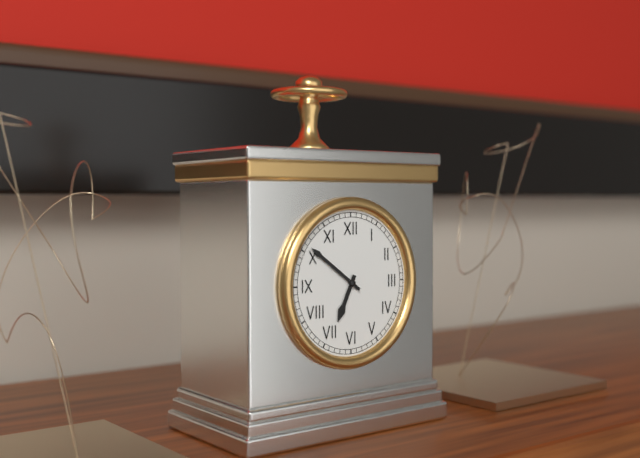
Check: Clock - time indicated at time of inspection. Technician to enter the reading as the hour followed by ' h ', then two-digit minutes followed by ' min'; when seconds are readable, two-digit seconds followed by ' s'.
6 h 51 min
